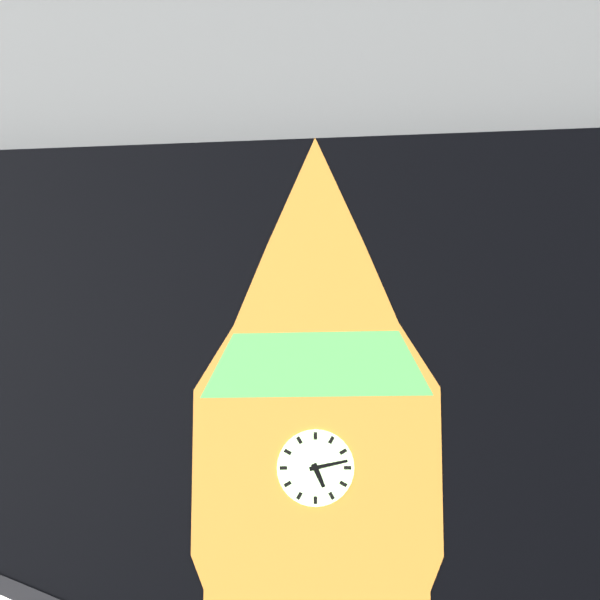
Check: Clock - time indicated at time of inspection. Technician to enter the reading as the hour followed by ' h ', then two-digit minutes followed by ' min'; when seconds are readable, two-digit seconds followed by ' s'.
5 h 13 min
